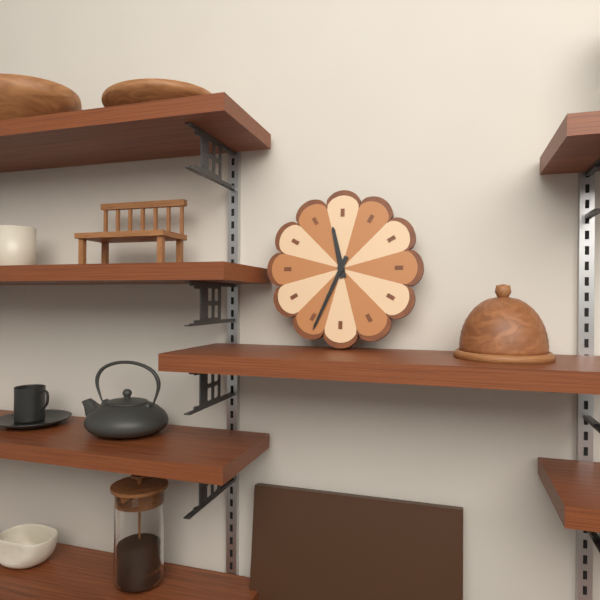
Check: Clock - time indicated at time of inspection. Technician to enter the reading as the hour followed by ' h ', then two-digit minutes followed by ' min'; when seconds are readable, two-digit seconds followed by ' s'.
11 h 34 min
